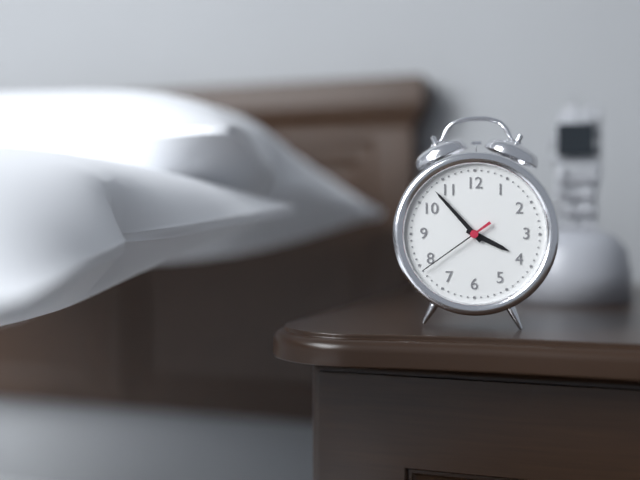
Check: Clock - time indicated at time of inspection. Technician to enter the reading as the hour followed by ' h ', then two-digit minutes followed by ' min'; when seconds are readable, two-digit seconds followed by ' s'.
3 h 53 min 39 s
